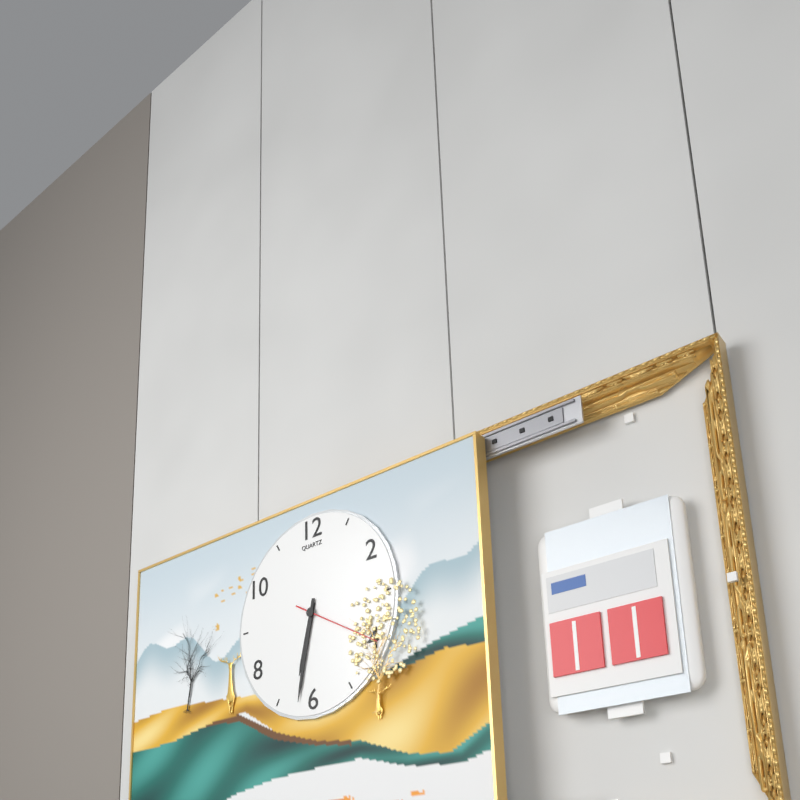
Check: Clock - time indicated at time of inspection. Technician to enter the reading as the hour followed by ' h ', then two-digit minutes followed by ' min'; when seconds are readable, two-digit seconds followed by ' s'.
6 h 32 min 20 s
